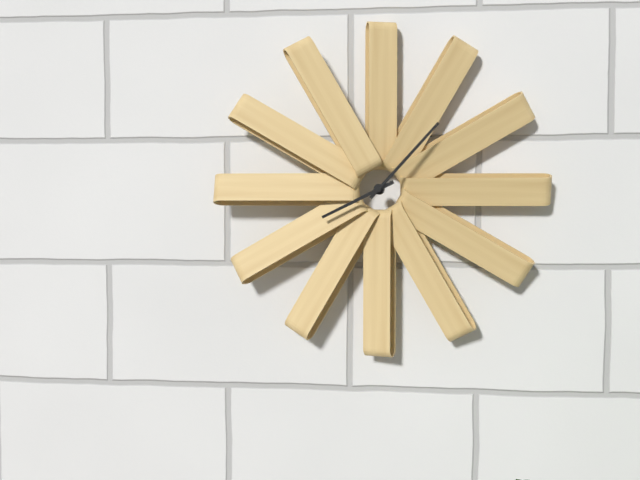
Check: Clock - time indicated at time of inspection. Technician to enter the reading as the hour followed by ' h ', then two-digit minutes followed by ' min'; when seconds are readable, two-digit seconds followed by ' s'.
8 h 07 min
